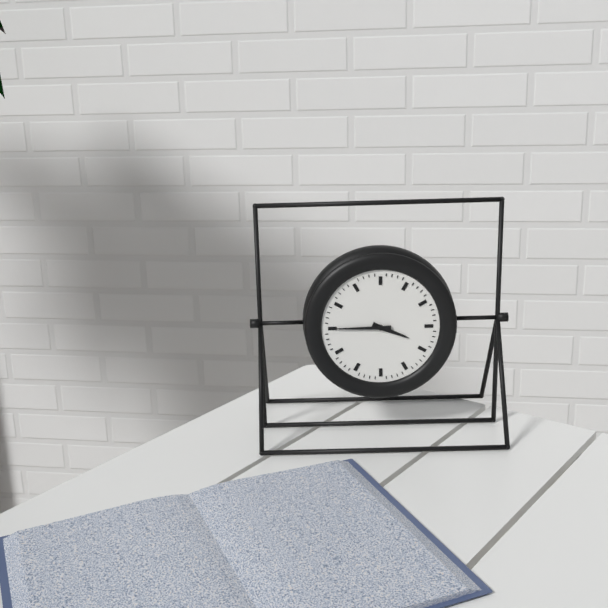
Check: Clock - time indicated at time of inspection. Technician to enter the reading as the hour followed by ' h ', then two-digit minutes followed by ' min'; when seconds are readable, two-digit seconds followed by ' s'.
3 h 45 min
